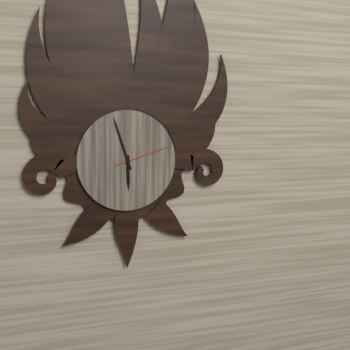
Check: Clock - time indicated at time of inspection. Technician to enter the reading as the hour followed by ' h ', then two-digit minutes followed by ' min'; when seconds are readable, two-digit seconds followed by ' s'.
5 h 57 min 12 s
